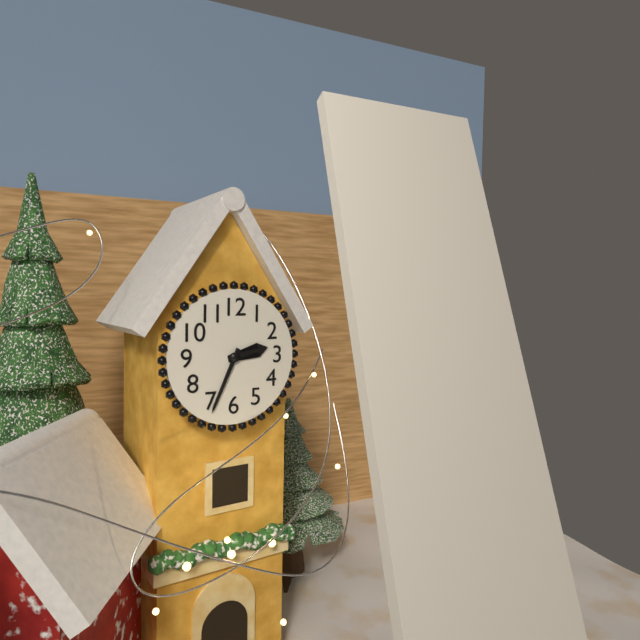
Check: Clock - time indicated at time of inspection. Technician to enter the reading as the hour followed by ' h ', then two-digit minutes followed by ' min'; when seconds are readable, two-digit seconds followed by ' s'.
2 h 34 min
